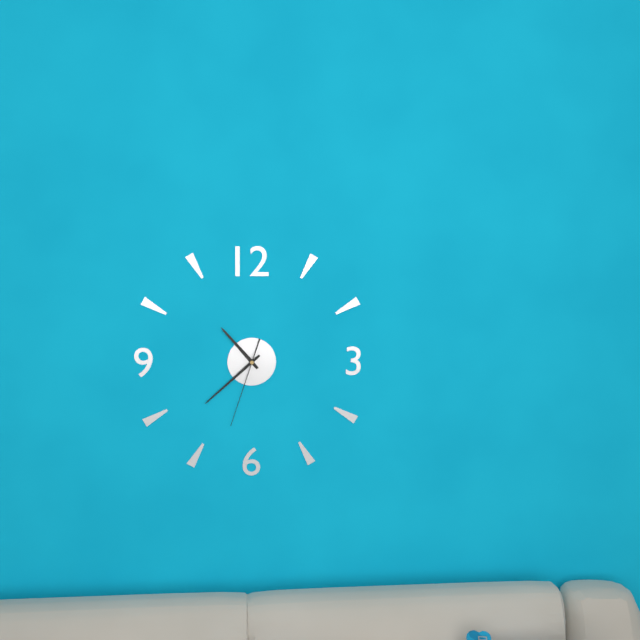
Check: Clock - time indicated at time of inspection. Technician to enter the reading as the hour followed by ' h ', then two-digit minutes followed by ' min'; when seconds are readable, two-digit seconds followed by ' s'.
10 h 38 min 33 s
